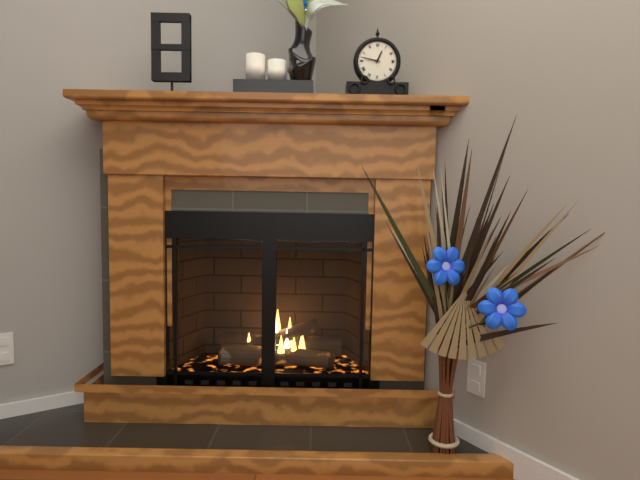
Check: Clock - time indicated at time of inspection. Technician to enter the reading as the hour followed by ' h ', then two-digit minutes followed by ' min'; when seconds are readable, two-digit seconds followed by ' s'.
12 h 47 min
